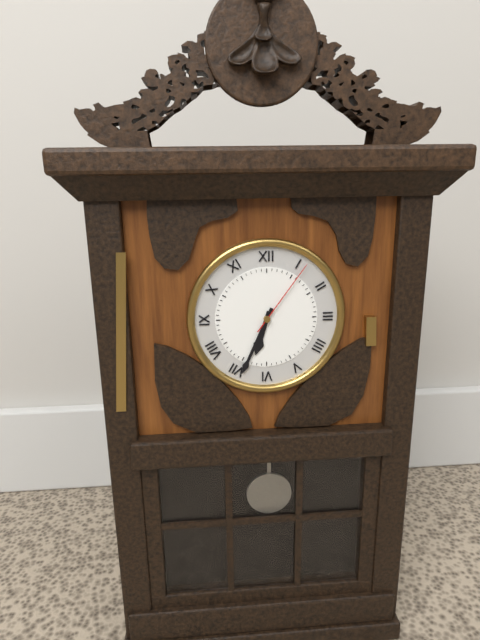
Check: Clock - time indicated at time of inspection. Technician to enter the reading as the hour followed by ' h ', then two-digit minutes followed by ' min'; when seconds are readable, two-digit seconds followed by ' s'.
6 h 34 min 06 s
